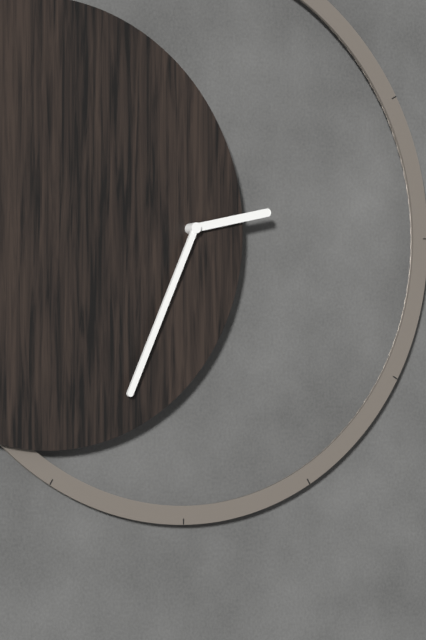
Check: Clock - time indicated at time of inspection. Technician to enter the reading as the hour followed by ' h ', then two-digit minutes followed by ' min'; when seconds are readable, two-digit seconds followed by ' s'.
2 h 34 min
